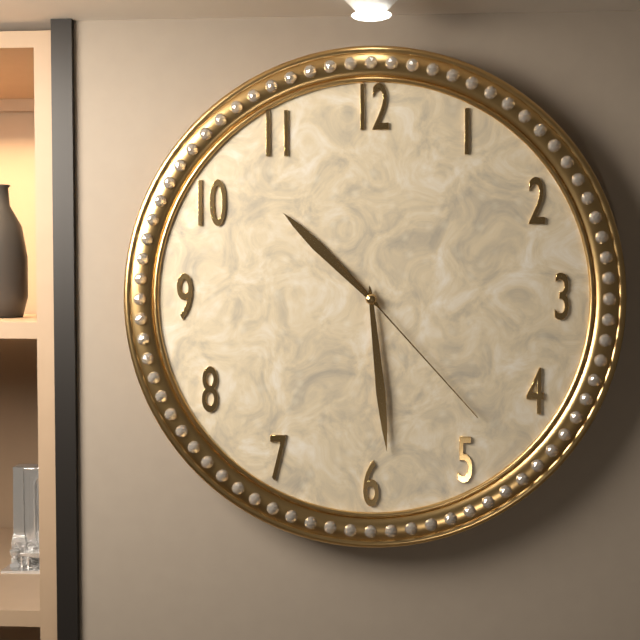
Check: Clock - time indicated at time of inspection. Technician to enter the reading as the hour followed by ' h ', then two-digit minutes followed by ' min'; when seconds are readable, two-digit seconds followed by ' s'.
10 h 29 min 23 s
